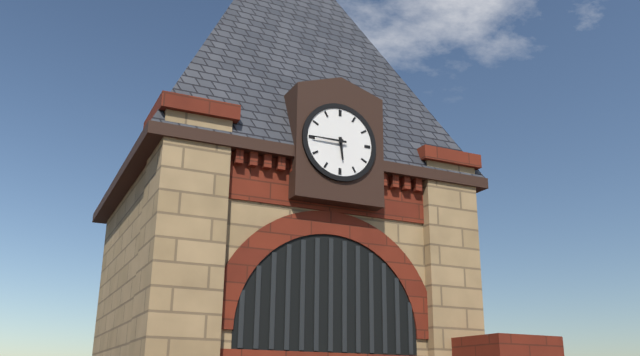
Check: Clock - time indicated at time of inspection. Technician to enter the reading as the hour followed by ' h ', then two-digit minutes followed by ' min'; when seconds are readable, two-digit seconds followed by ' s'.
5 h 45 min
